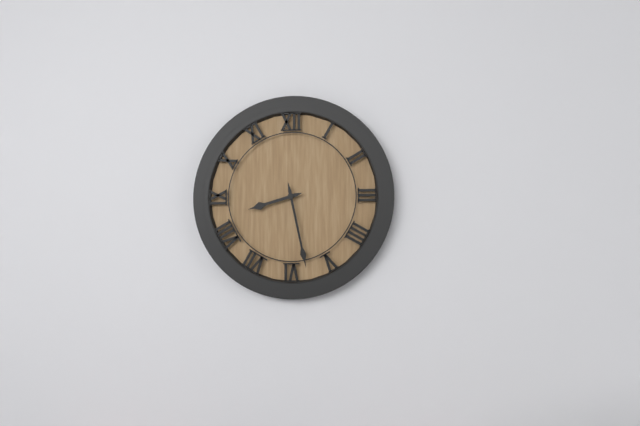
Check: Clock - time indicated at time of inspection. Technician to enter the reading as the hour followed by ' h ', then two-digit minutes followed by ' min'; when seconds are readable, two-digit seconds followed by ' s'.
8 h 28 min
